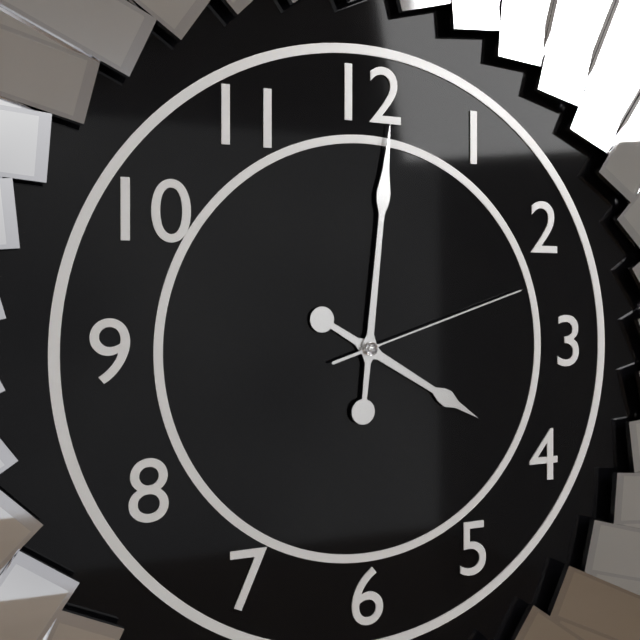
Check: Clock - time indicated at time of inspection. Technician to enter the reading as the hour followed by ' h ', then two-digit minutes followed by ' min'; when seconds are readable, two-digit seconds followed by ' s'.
4 h 01 min 12 s
